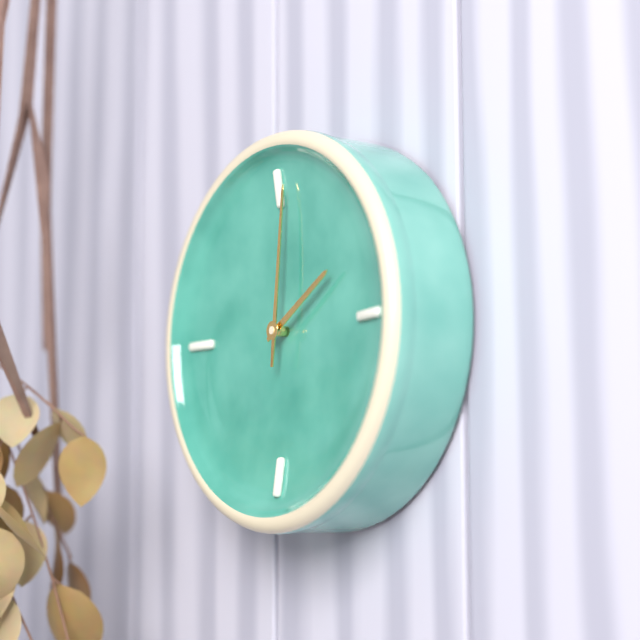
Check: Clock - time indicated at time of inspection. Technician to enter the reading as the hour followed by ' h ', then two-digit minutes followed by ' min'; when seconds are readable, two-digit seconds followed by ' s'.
2 h 01 min
